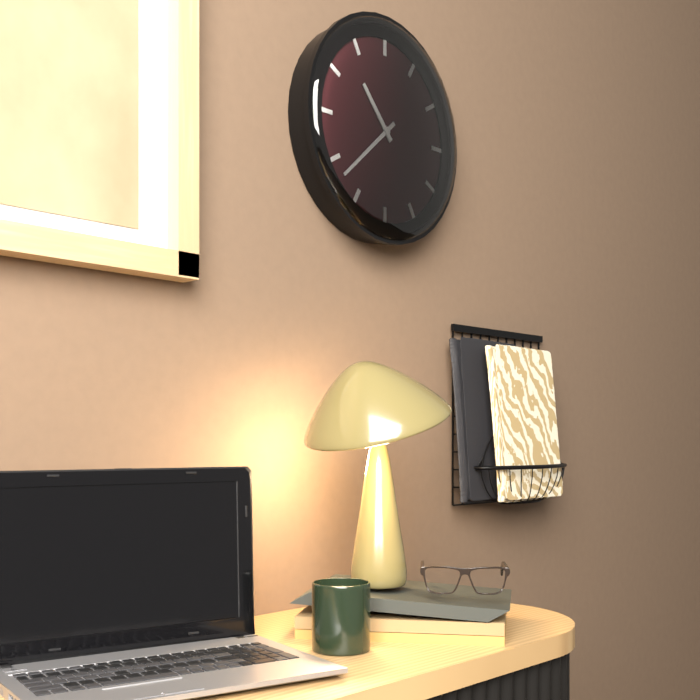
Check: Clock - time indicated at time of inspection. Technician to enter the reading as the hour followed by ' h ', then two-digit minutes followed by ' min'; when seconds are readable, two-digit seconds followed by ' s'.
10 h 38 min
